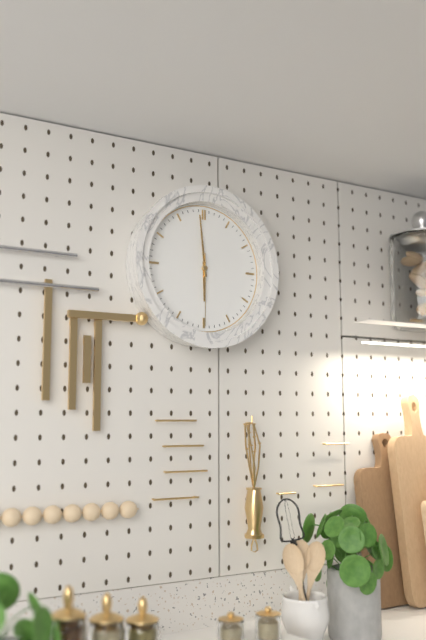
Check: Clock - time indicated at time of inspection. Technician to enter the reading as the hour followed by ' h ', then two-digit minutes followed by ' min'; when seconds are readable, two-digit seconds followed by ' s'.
5 h 59 min 30 s
